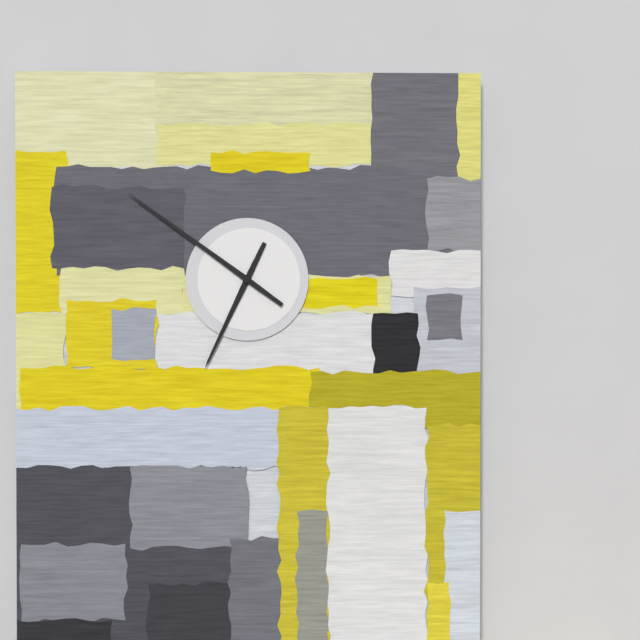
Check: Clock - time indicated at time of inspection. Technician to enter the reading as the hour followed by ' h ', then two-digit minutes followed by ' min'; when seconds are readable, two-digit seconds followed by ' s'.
6 h 51 min
